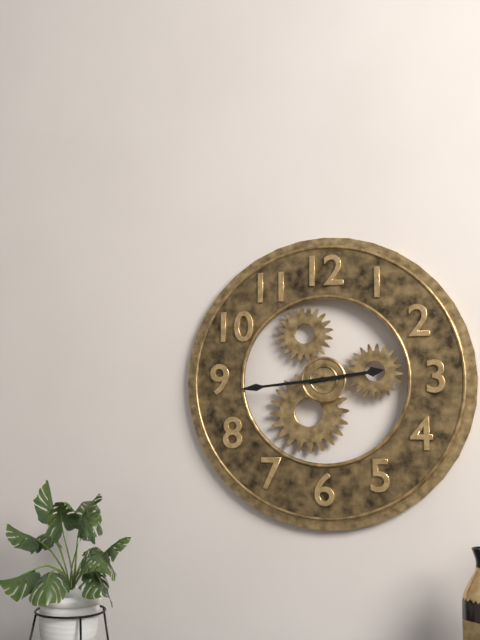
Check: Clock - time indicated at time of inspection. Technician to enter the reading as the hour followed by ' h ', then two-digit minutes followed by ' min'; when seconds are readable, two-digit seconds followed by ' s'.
2 h 44 min
